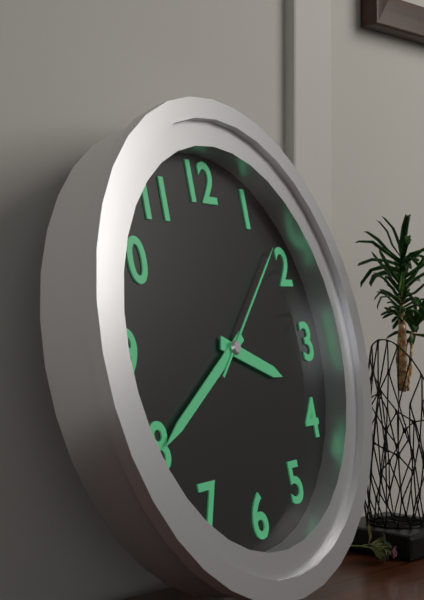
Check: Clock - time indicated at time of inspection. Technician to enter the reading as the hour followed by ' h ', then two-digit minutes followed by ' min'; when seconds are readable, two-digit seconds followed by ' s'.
3 h 40 min 08 s
